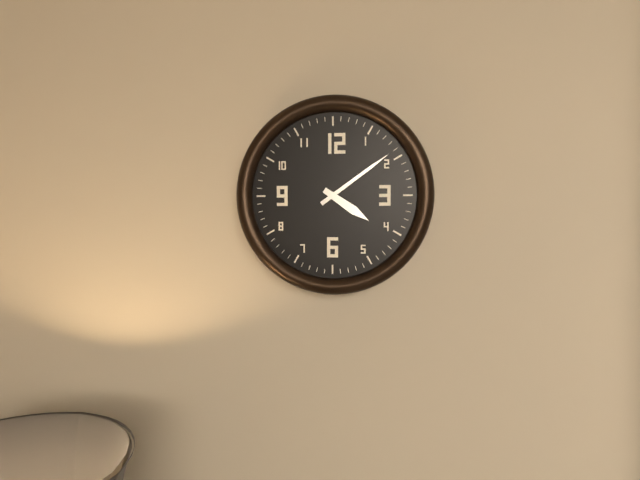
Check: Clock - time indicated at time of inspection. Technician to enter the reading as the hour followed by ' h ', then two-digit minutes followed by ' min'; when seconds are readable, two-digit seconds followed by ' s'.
4 h 09 min
